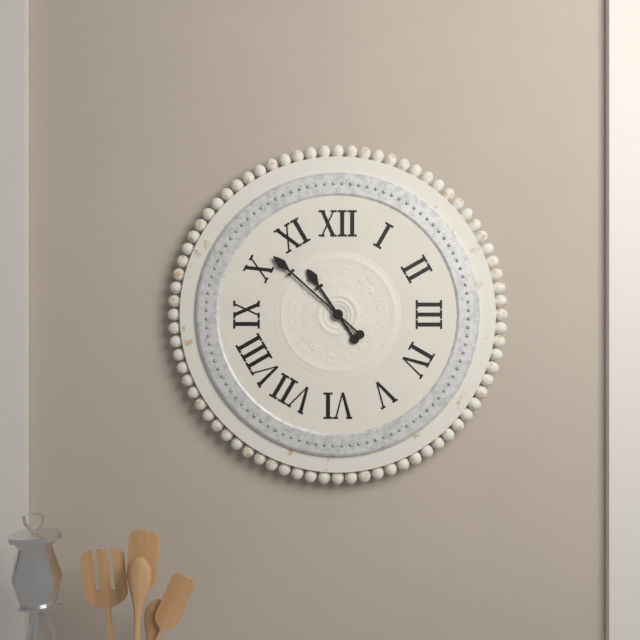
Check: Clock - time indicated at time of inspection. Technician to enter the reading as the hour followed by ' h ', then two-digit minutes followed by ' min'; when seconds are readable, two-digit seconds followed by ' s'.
10 h 52 min
